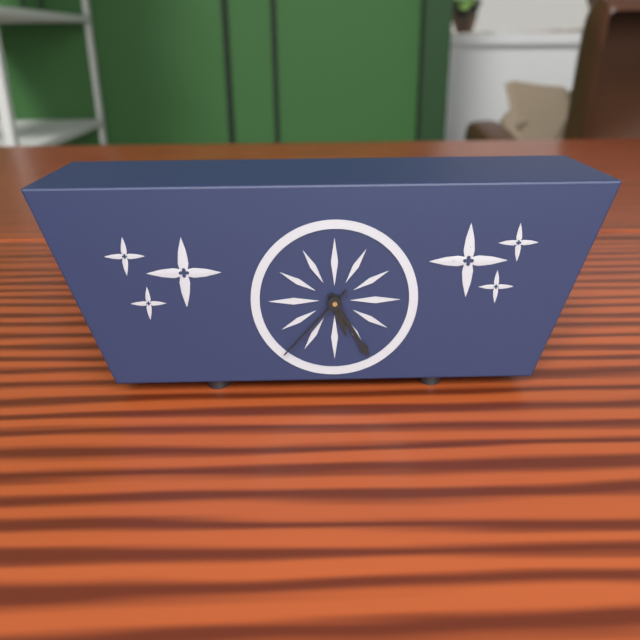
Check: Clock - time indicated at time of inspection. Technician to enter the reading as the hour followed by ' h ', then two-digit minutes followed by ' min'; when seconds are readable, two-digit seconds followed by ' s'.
5 h 25 min 37 s
